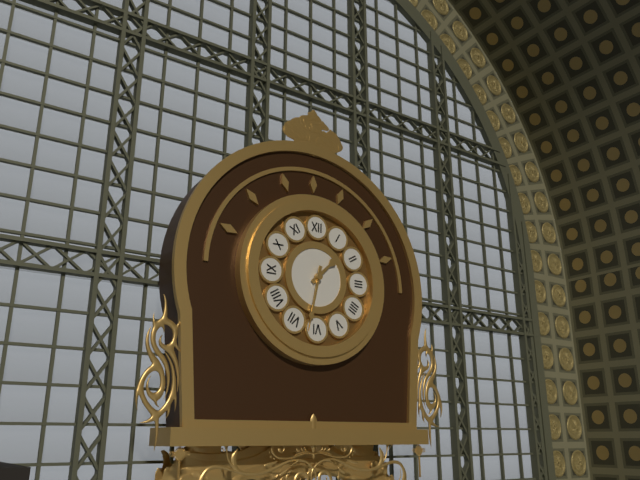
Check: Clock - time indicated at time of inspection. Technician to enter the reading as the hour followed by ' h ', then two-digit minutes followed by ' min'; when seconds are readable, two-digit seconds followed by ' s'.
1 h 32 min
